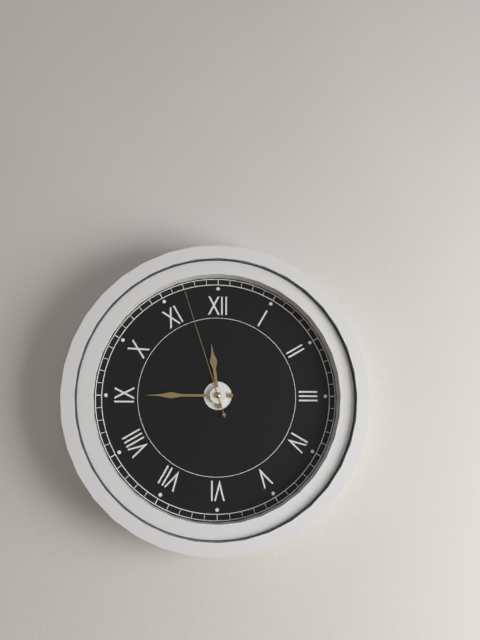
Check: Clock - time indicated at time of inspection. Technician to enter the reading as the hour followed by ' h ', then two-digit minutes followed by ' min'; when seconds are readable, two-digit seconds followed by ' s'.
11 h 45 min 57 s
